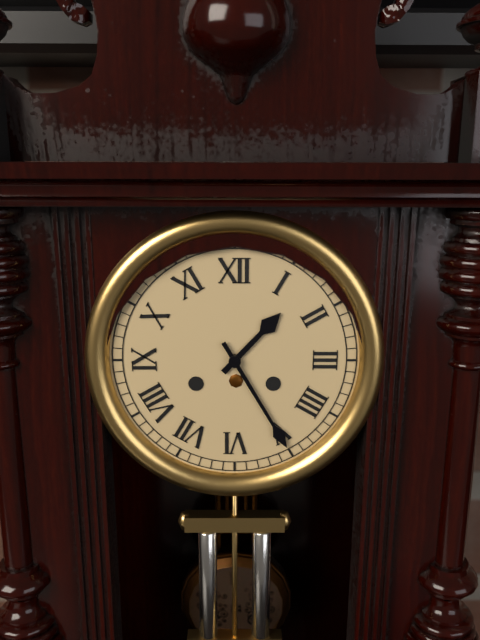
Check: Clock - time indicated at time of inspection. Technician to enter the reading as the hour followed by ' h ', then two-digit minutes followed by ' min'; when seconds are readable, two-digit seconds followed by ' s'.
1 h 25 min
